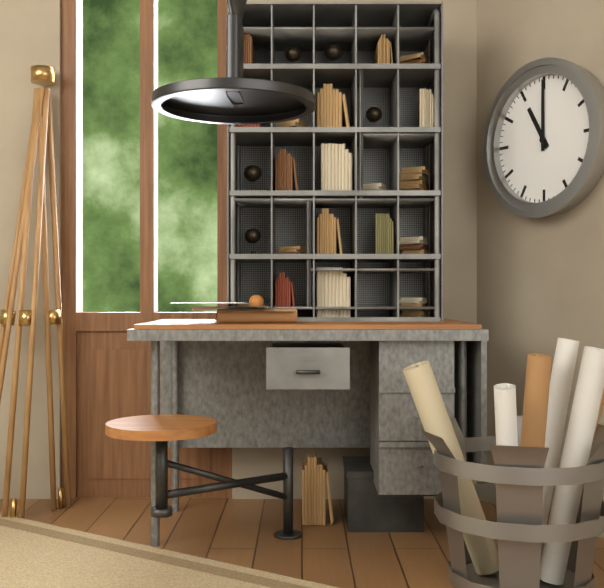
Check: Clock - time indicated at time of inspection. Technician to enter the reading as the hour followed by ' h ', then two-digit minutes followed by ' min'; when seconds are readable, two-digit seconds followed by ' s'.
11 h 00 min
